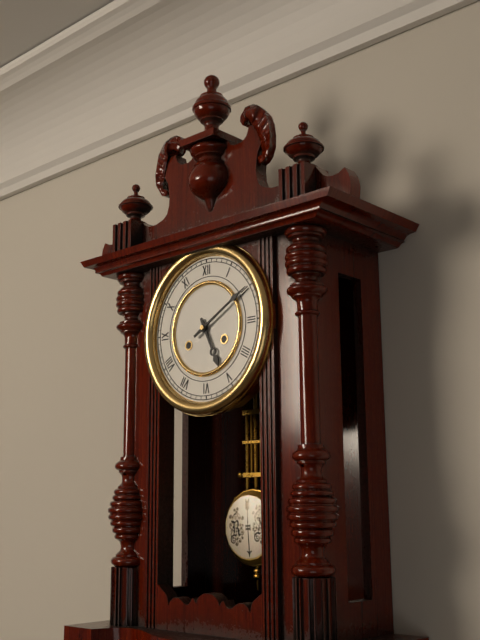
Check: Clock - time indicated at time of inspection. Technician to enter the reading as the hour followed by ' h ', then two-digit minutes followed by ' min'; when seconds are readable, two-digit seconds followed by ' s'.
5 h 10 min
